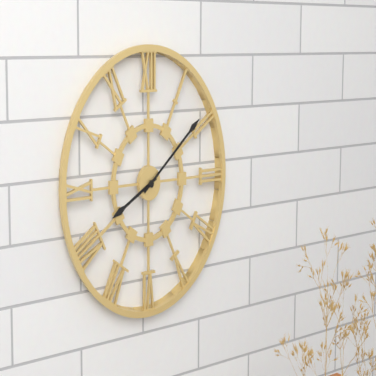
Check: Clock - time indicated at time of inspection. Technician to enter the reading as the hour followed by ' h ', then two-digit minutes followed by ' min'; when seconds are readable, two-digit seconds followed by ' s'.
8 h 09 min
